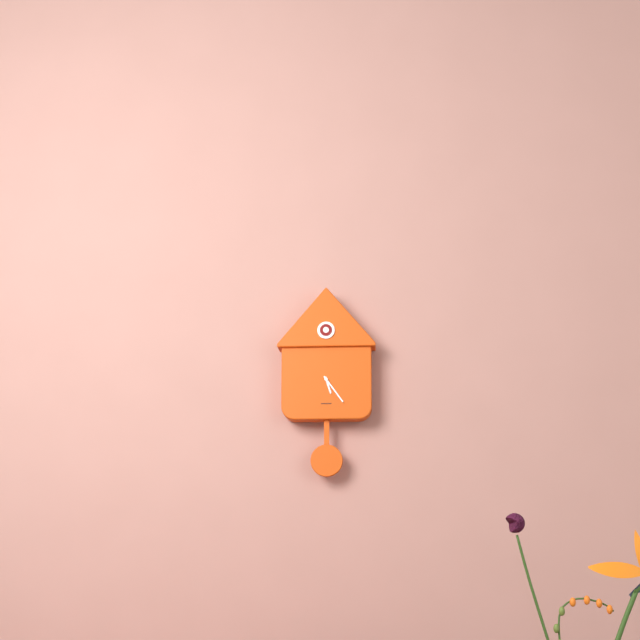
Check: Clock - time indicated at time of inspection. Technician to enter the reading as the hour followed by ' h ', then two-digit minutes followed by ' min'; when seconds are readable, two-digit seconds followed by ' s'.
5 h 24 min
